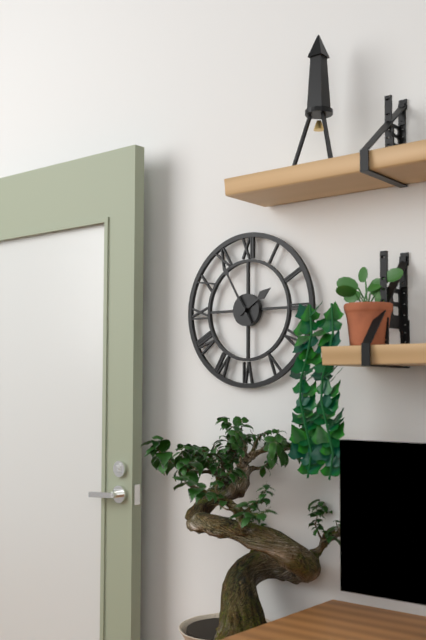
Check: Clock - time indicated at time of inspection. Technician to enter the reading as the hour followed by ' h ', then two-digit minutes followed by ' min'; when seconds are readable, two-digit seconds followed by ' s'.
1 h 55 min
